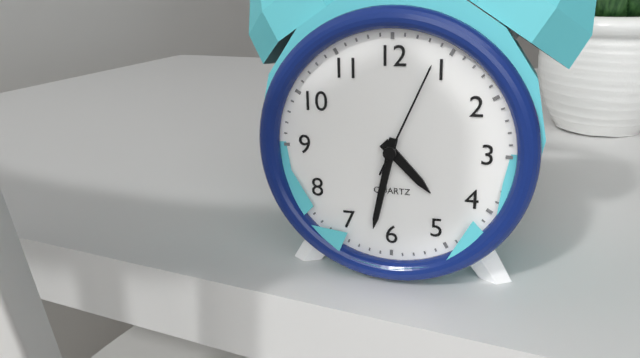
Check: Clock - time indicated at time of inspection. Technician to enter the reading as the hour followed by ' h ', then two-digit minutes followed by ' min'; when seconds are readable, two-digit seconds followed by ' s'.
4 h 32 min 04 s
